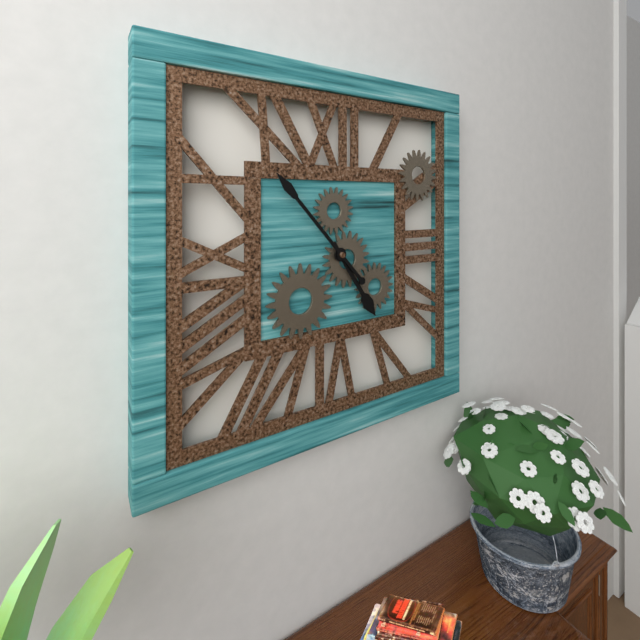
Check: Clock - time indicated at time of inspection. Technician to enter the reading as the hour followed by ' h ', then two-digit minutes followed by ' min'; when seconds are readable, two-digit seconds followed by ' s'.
4 h 53 min
